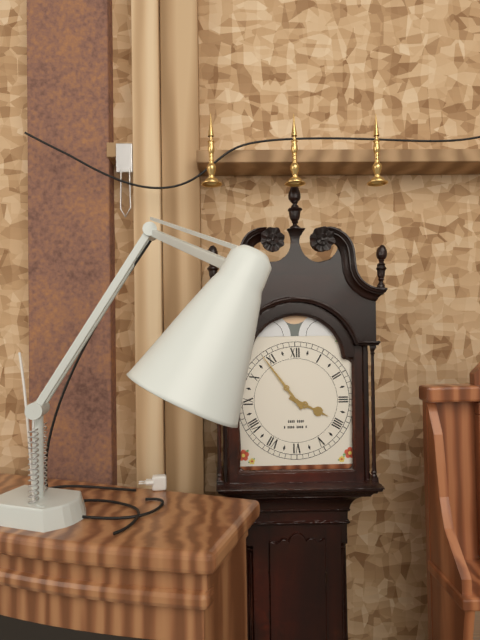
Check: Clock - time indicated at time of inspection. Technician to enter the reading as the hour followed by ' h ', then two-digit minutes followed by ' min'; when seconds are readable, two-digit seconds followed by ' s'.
3 h 54 min
